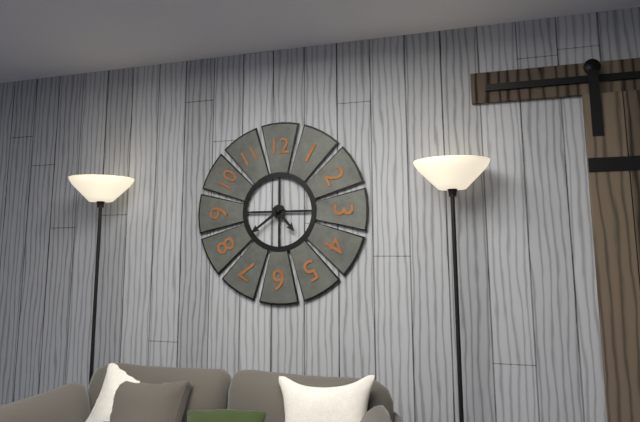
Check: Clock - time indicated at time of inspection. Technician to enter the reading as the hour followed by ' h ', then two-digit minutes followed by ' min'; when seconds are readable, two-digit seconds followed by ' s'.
4 h 39 min
